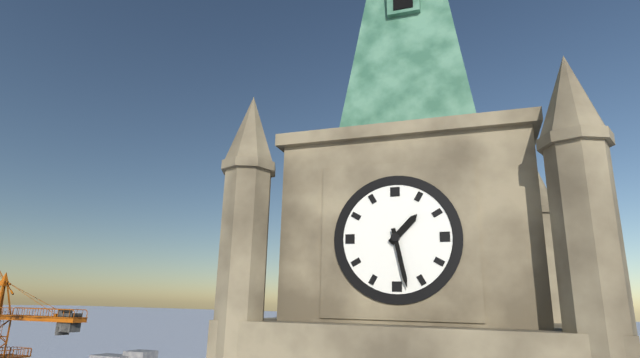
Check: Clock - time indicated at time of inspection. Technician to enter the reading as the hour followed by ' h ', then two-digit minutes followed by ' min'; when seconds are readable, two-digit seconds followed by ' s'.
1 h 28 min
